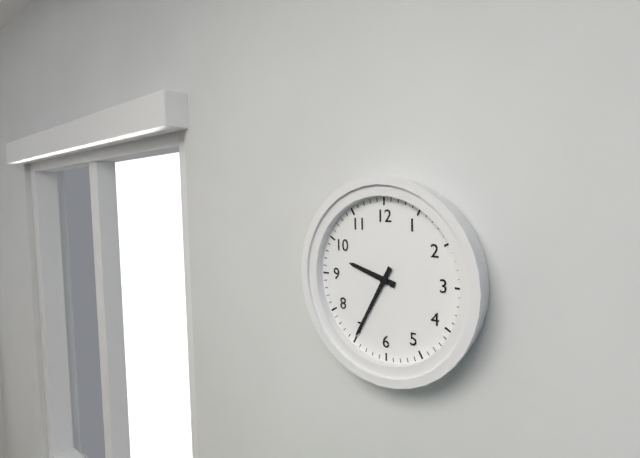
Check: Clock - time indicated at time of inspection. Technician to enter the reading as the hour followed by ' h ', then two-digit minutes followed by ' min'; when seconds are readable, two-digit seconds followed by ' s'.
9 h 35 min
